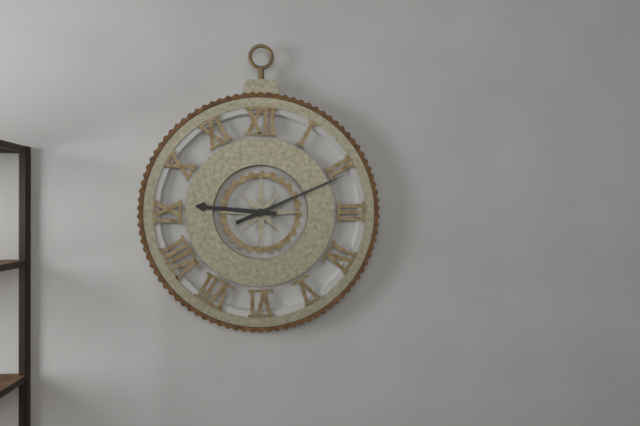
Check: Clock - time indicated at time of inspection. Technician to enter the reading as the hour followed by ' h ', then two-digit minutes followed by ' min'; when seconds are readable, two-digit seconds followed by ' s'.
9 h 11 min
